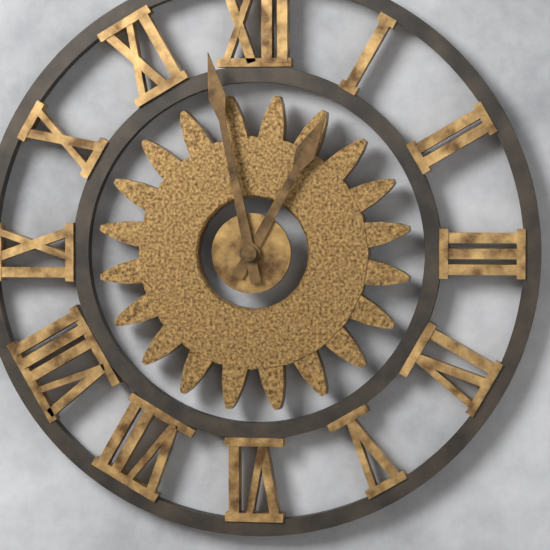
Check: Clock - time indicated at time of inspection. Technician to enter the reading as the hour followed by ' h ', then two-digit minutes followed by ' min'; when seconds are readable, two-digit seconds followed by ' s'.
12 h 58 min
